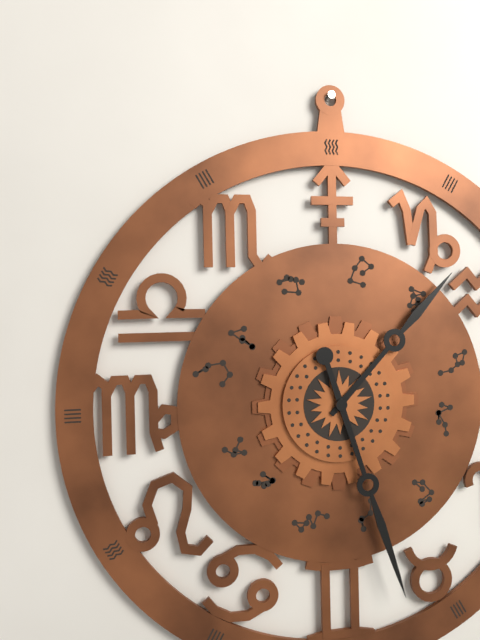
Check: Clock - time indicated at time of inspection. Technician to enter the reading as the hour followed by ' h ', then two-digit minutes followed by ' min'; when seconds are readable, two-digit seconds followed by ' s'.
1 h 27 min
